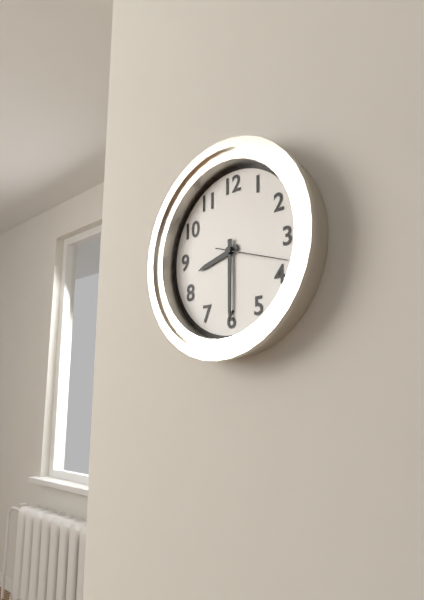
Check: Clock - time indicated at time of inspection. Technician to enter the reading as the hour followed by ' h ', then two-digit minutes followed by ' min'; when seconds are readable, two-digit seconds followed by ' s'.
8 h 30 min 18 s
